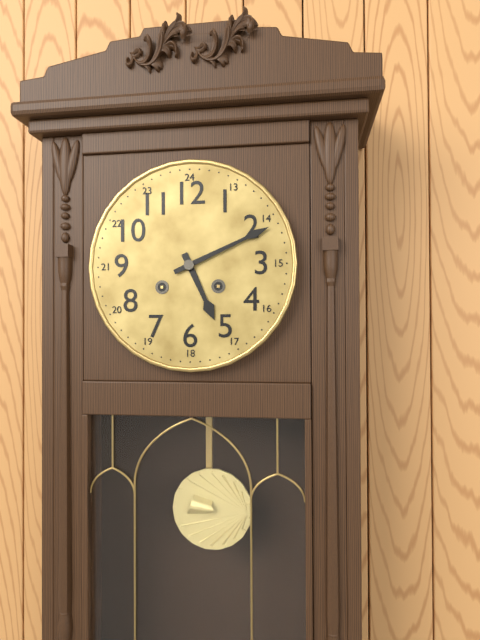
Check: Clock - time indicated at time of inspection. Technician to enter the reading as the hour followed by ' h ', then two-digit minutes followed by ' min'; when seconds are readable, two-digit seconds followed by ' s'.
5 h 11 min
